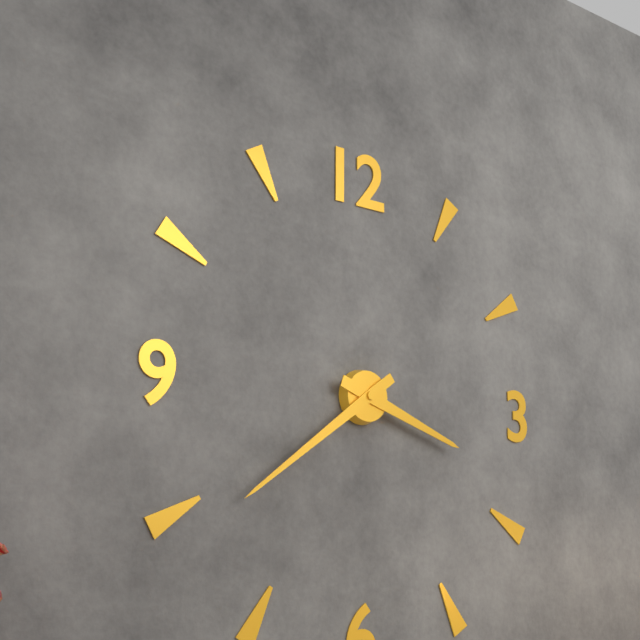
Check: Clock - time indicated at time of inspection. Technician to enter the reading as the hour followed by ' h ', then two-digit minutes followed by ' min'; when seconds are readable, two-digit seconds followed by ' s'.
3 h 39 min
